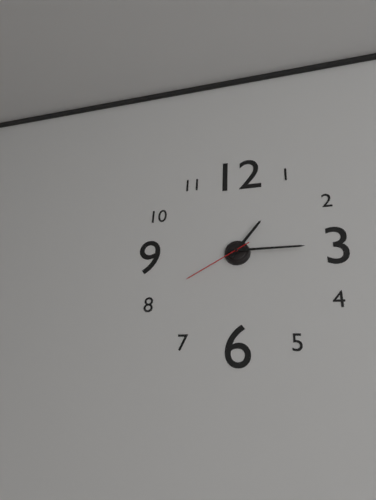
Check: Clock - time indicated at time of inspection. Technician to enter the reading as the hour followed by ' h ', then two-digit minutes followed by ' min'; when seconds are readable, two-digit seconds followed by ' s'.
1 h 15 min 40 s
